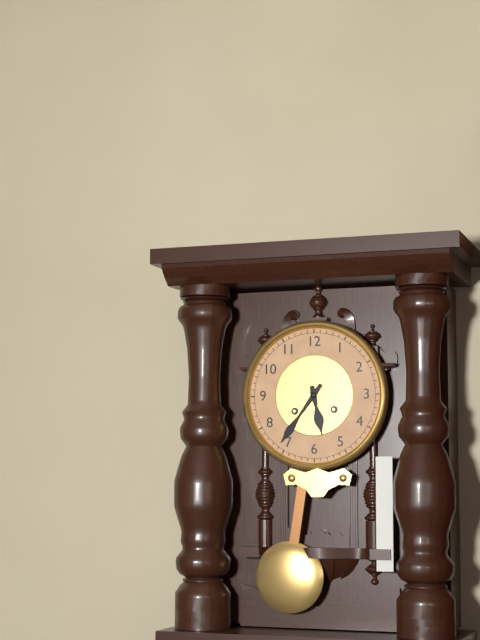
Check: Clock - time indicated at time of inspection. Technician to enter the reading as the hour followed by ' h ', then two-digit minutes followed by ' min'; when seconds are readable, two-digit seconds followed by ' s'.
5 h 36 min
